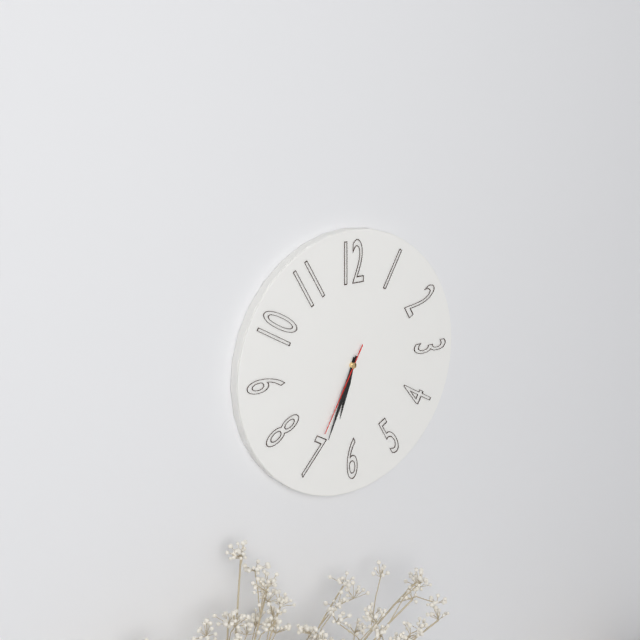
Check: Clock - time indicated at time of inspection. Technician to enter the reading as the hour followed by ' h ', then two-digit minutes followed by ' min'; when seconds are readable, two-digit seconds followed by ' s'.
6 h 34 min 35 s
